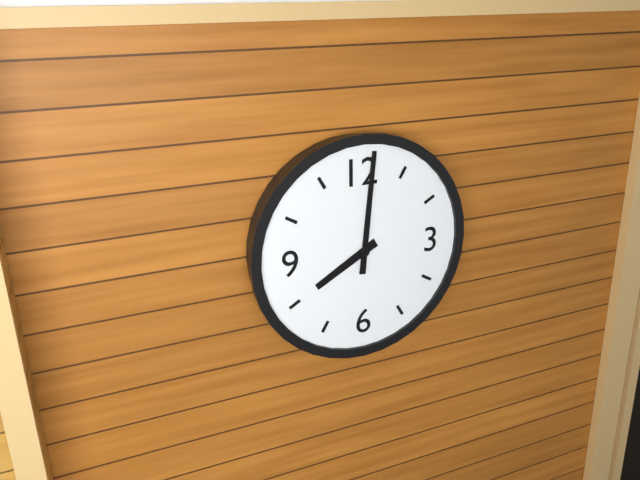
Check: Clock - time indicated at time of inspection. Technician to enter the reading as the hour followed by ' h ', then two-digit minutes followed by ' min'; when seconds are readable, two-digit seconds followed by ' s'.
8 h 01 min
